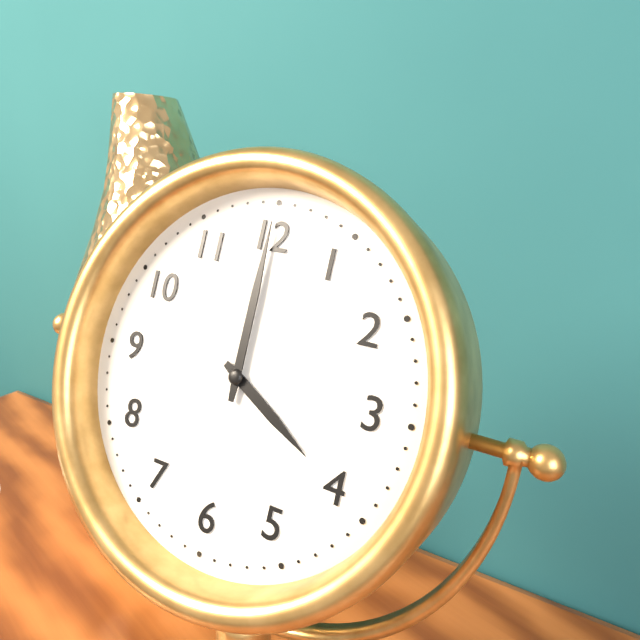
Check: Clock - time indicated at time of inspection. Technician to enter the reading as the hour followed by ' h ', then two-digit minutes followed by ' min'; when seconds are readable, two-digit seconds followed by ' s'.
4 h 00 min
